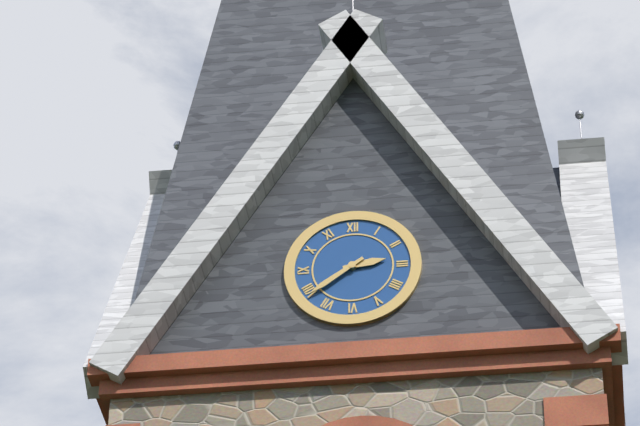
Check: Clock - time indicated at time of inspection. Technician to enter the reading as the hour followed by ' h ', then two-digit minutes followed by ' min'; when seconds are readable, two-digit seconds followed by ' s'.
2 h 39 min
